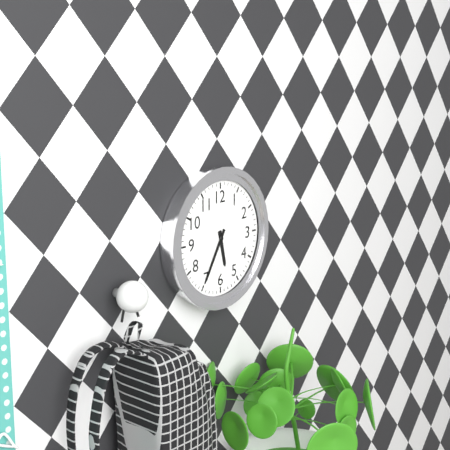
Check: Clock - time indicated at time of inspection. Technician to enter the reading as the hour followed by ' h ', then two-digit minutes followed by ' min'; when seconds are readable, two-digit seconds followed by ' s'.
5 h 35 min
